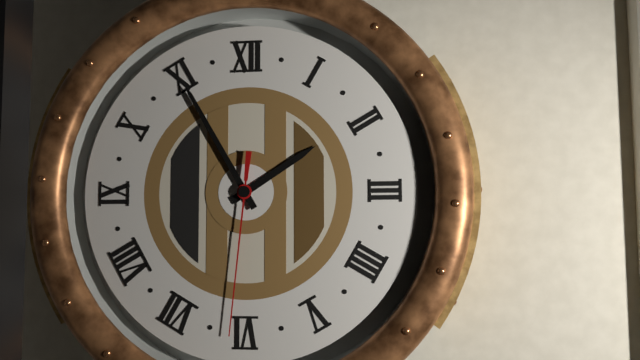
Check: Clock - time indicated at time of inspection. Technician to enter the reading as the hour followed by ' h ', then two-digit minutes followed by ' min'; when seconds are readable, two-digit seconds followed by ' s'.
1 h 55 min 31 s
